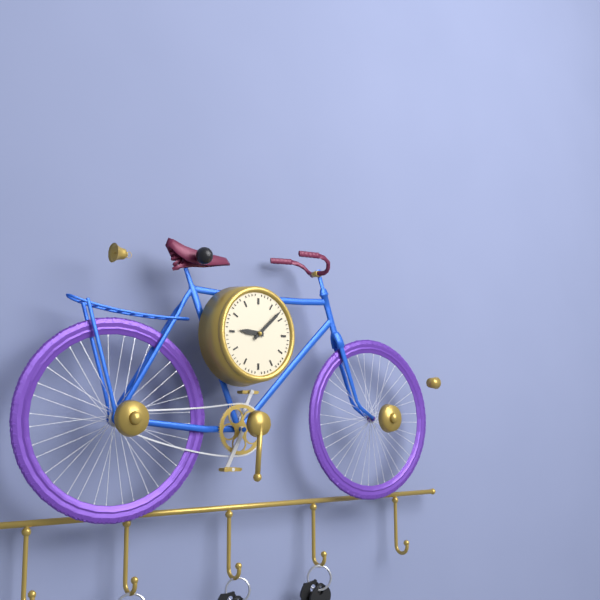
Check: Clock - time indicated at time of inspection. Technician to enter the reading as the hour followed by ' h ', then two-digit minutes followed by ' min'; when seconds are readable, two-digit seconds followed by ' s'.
9 h 08 min
